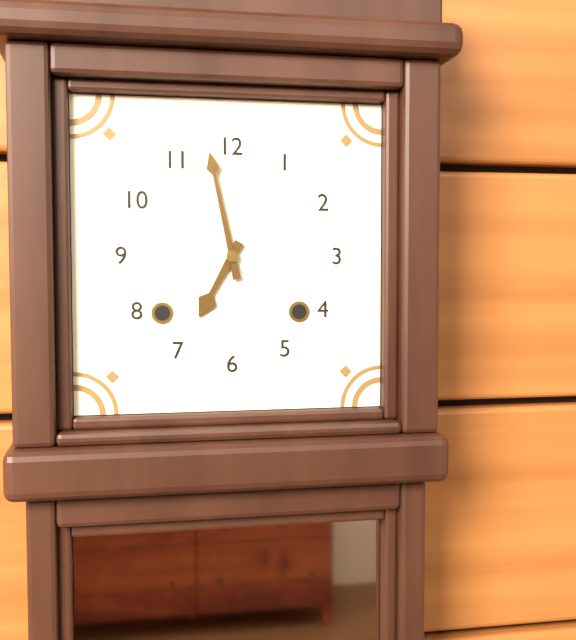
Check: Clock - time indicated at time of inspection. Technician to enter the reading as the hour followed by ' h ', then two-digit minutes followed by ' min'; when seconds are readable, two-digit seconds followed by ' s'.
6 h 58 min
